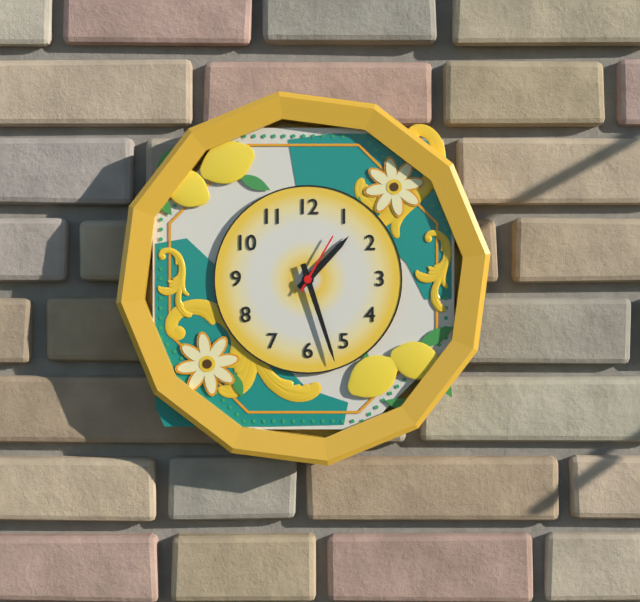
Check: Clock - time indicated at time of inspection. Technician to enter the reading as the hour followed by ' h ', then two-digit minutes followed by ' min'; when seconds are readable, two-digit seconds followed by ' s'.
1 h 27 min 05 s
